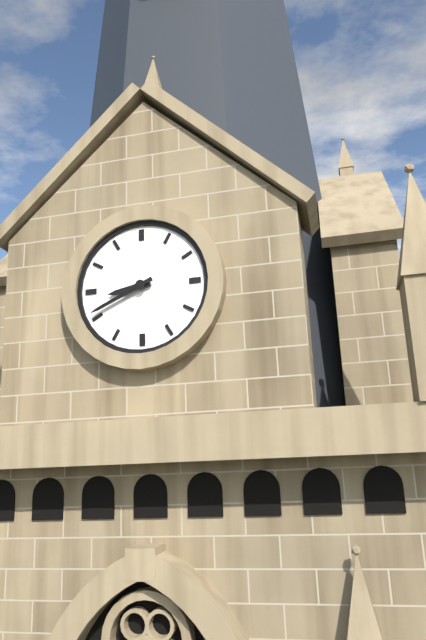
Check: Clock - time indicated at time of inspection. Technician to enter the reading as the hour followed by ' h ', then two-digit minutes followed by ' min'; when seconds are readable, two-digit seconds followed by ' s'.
8 h 41 min
